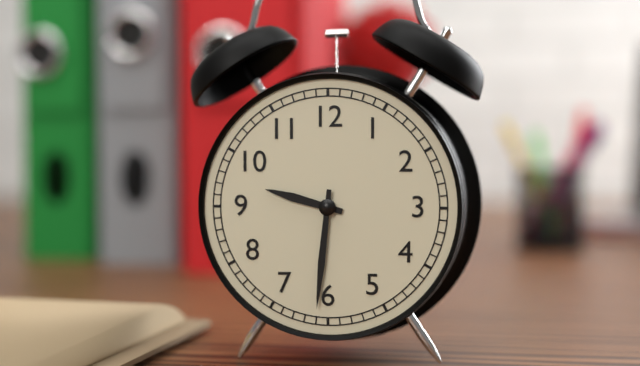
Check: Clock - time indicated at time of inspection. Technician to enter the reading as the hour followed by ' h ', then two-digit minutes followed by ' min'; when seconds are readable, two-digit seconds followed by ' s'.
9 h 31 min
